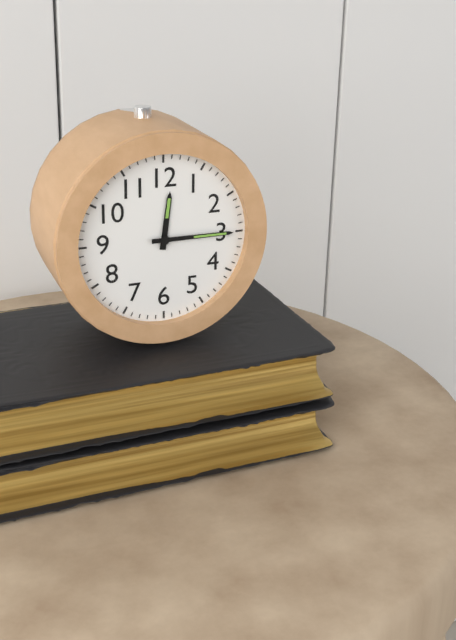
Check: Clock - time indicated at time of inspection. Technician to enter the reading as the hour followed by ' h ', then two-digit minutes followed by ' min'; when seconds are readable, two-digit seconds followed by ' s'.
12 h 15 min
